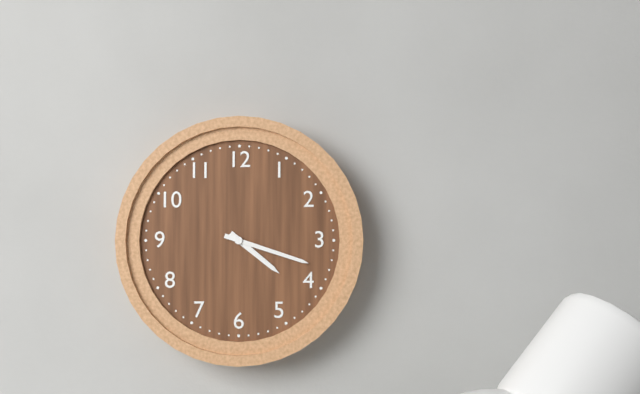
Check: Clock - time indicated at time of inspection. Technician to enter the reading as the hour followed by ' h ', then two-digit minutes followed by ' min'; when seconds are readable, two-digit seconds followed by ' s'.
4 h 18 min
